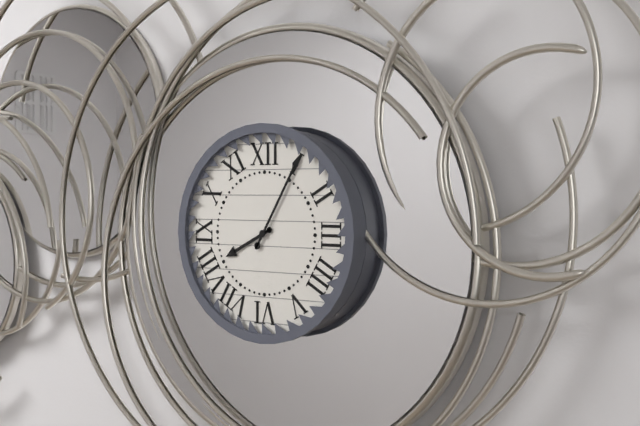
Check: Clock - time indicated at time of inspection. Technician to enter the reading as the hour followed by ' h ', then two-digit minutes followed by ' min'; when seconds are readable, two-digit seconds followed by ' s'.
8 h 05 min
